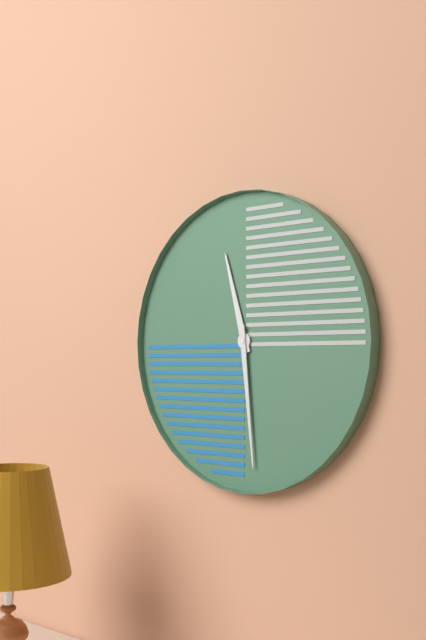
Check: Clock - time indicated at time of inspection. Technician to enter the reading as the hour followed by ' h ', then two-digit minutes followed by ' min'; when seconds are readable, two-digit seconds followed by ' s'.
11 h 29 min
